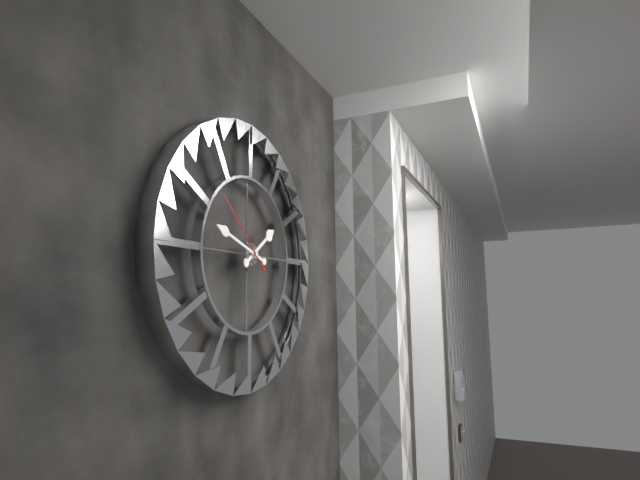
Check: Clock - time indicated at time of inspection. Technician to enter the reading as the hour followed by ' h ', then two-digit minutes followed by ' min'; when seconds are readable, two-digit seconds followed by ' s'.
1 h 48 min 52 s
